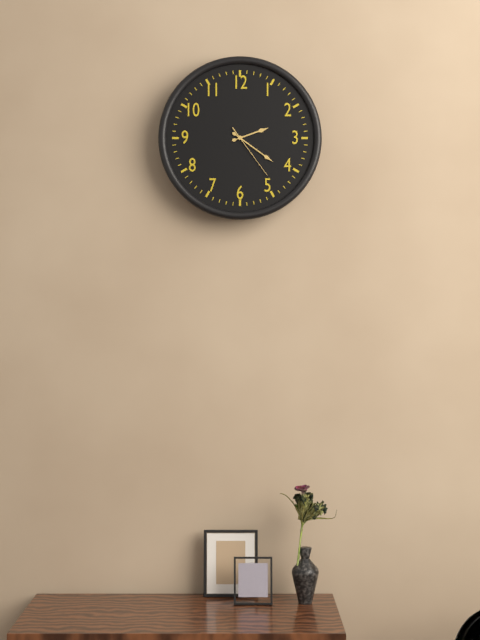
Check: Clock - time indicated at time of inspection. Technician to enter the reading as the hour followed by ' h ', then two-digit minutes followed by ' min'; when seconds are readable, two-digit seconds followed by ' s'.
2 h 21 min 24 s
